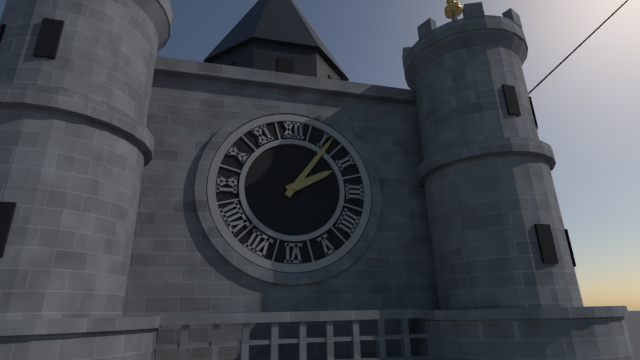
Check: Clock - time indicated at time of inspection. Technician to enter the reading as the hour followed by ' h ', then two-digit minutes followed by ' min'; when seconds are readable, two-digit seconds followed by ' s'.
2 h 06 min
